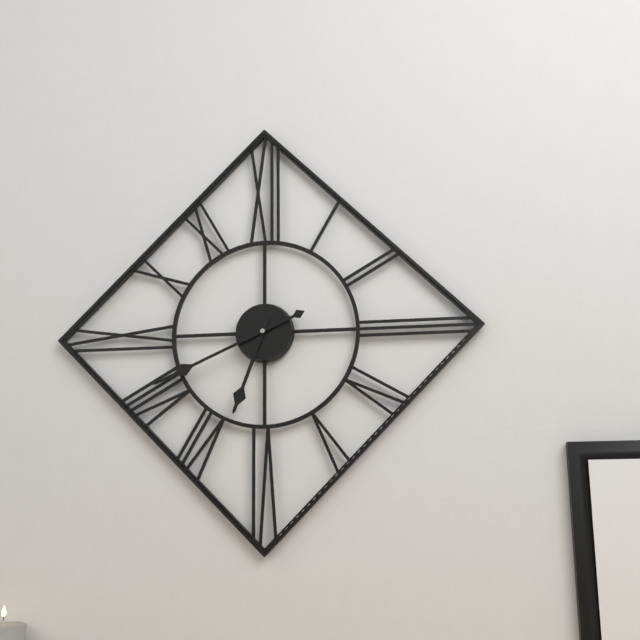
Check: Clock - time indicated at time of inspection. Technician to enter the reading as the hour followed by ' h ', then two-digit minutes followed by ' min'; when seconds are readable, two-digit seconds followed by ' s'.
6 h 41 min
